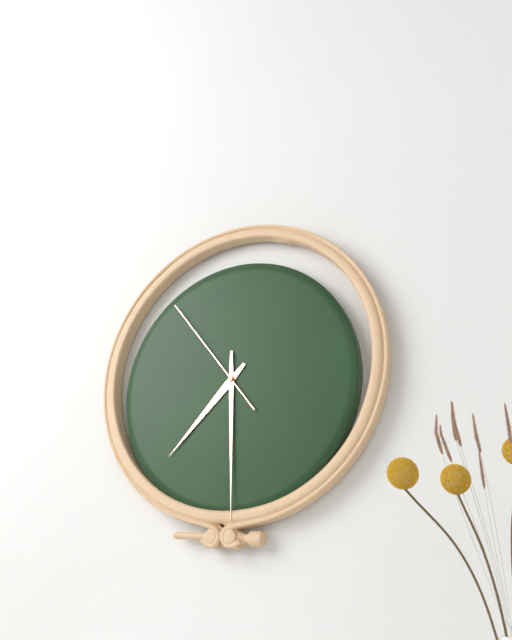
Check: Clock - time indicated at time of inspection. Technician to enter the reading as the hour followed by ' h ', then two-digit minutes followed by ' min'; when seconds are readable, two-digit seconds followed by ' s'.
7 h 30 min 54 s
